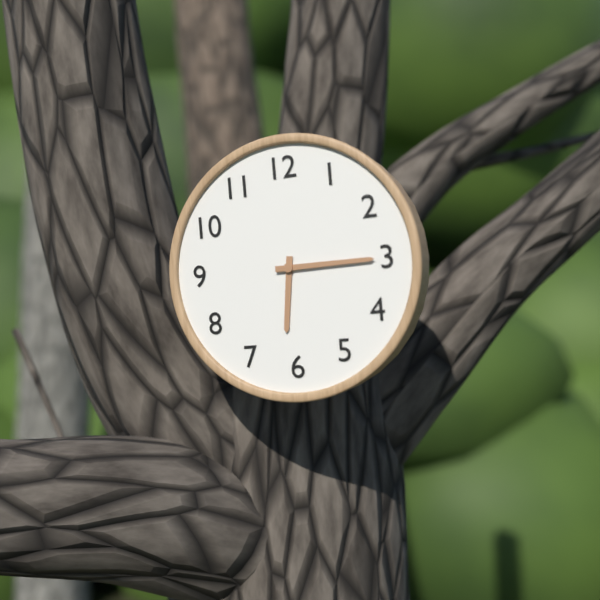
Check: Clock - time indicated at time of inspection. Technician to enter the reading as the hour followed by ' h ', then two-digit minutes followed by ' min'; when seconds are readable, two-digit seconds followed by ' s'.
6 h 15 min
